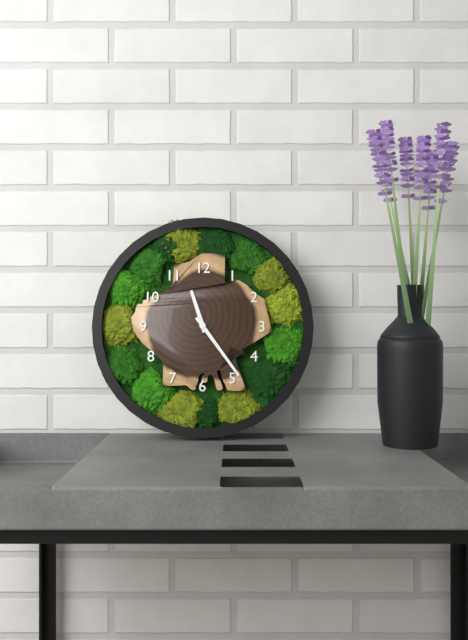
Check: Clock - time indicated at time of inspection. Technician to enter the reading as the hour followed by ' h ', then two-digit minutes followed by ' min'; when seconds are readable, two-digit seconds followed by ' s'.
11 h 24 min
